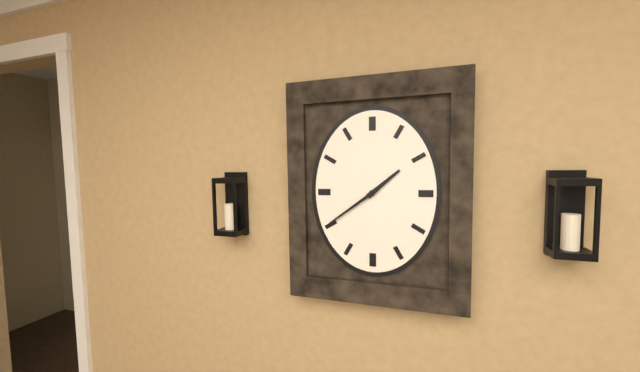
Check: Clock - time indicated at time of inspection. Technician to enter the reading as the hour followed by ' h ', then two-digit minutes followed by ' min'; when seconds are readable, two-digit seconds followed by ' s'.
1 h 39 min
